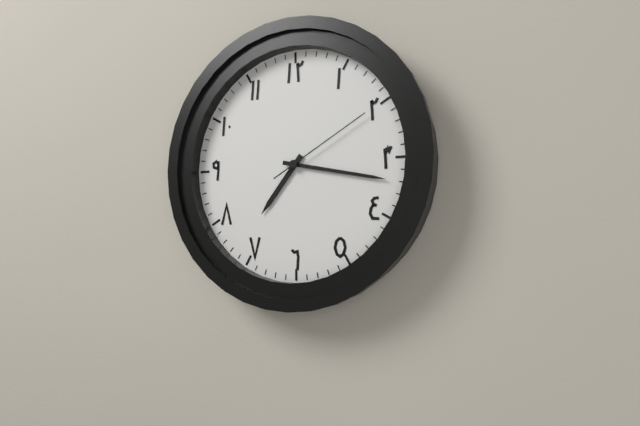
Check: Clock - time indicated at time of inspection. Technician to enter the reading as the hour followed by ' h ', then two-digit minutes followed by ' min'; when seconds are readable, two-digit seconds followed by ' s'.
7 h 17 min 10 s
